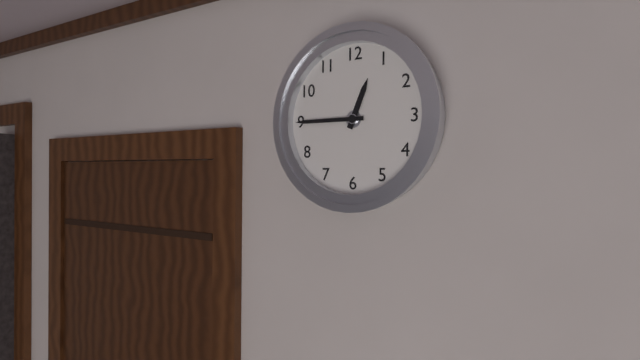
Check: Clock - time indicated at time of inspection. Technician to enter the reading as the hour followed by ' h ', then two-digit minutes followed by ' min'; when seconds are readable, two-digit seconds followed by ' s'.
12 h 45 min
